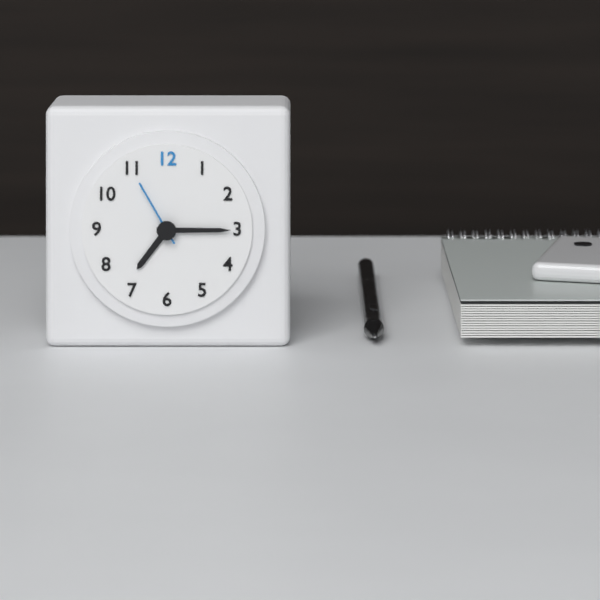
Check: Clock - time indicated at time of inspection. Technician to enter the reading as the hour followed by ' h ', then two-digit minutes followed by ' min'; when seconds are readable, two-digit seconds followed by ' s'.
7 h 15 min 55 s
